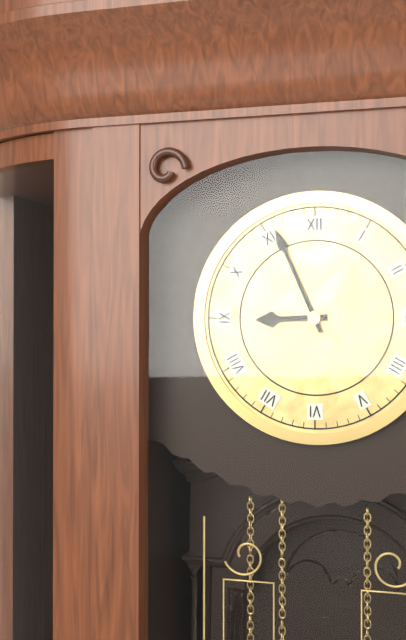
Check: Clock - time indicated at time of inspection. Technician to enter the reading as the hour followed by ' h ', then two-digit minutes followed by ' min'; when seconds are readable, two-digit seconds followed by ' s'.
8 h 56 min
